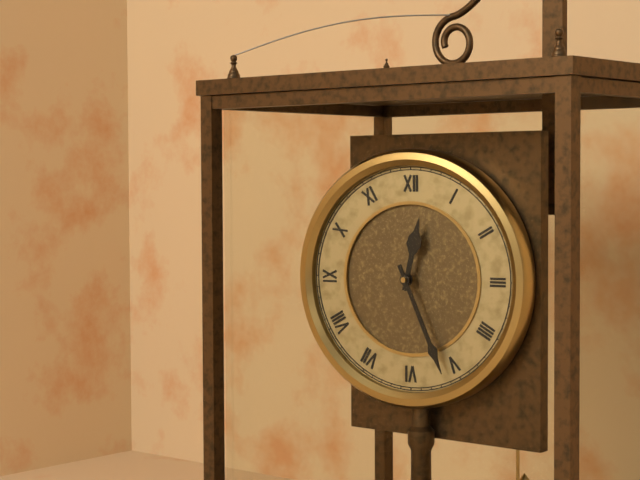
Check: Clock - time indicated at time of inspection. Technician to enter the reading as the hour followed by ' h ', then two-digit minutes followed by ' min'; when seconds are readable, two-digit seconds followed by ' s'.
12 h 26 min
